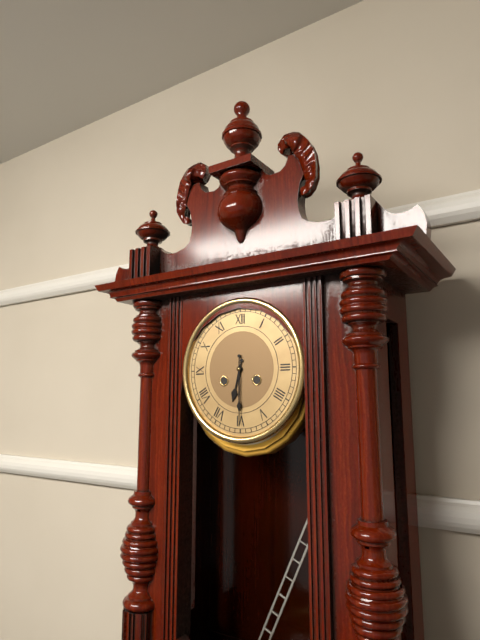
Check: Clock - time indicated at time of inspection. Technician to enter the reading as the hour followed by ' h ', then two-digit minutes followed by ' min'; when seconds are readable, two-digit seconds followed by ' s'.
6 h 30 min
